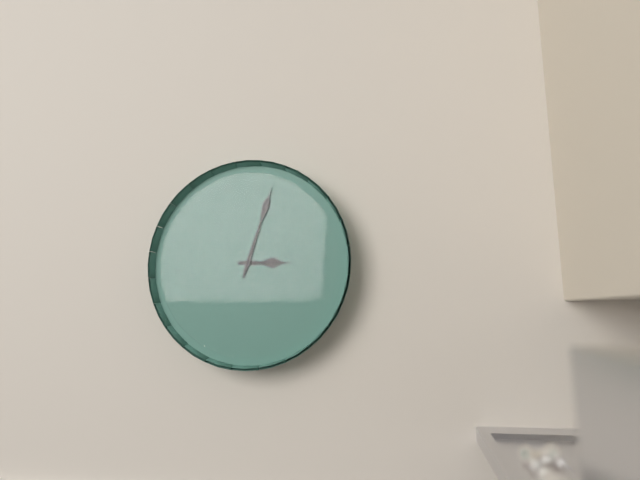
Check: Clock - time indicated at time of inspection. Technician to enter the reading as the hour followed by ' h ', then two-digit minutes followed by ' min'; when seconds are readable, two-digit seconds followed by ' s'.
3 h 03 min
